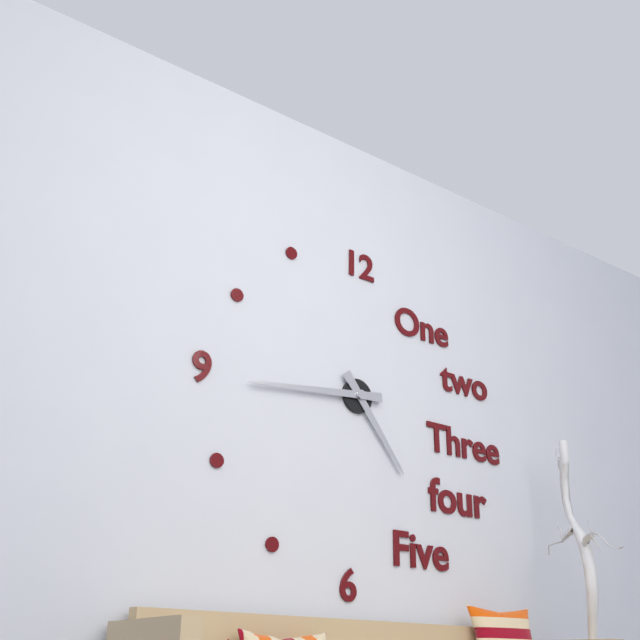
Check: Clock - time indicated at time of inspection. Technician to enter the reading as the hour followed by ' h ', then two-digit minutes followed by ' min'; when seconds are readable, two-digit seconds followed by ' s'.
4 h 44 min
